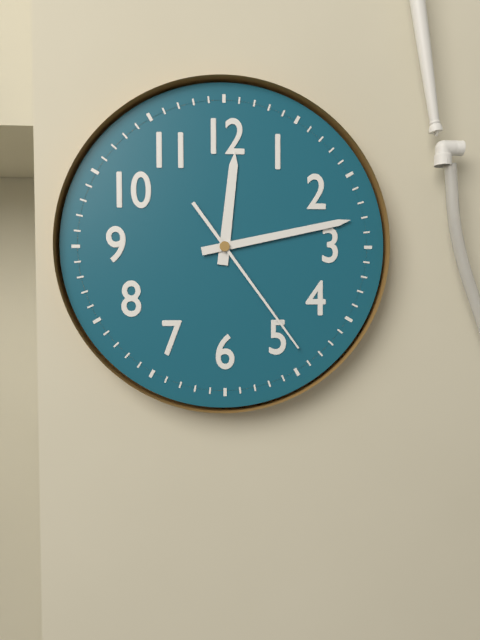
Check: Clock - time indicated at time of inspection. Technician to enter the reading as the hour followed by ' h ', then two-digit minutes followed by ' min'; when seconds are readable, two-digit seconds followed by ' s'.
12 h 13 min 24 s
